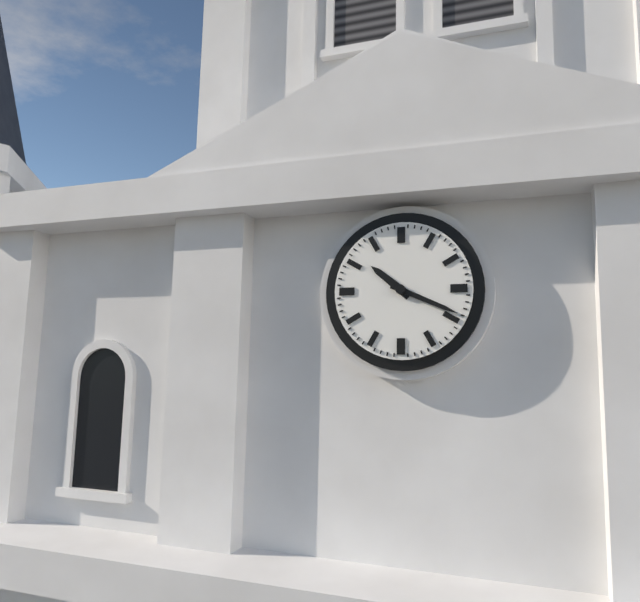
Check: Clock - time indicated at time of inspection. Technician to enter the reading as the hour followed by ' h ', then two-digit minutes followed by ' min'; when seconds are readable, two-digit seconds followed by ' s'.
10 h 19 min
